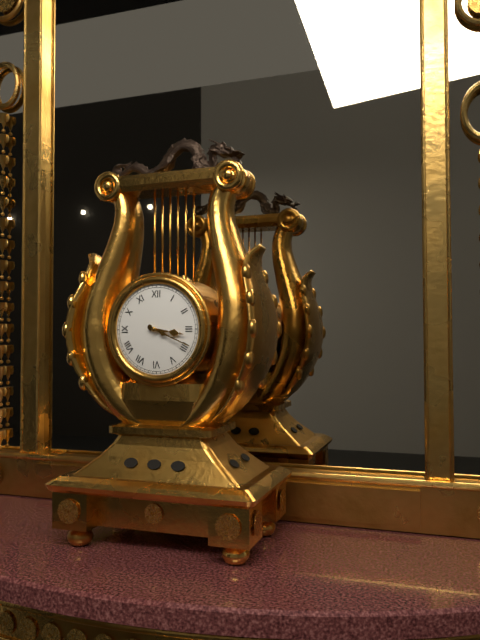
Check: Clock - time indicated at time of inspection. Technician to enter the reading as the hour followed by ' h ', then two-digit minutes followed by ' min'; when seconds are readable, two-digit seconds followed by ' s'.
3 h 19 min
